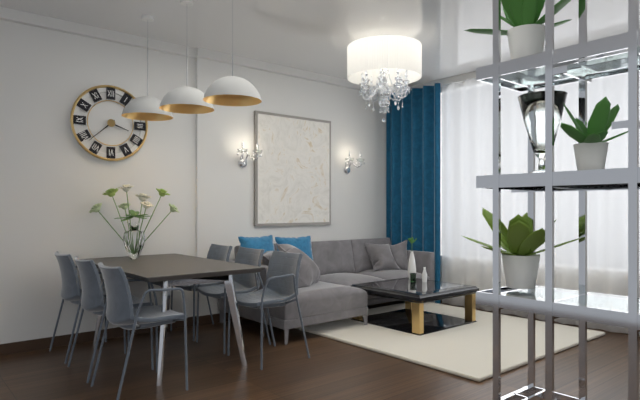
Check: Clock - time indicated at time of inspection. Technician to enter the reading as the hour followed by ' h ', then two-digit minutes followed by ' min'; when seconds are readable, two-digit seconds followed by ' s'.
3 h 38 min
